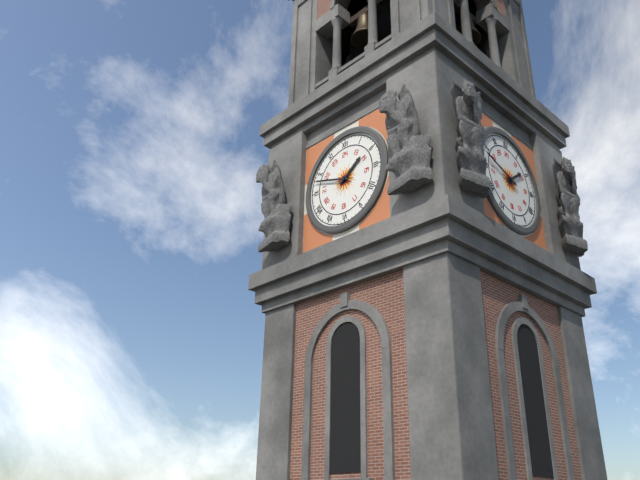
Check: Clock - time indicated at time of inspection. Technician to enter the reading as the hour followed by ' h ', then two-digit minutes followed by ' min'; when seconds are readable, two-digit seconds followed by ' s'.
1 h 48 min
